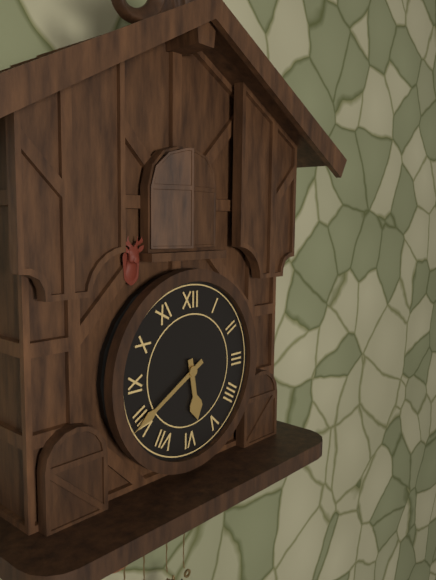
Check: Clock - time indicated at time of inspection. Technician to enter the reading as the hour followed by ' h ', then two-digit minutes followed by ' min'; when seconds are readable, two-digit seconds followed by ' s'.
5 h 40 min
